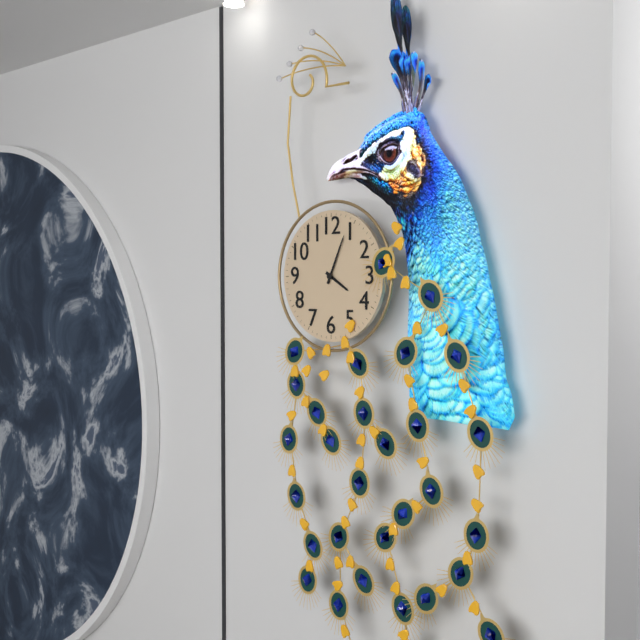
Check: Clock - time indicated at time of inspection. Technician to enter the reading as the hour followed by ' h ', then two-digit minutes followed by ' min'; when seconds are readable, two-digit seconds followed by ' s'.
4 h 04 min
